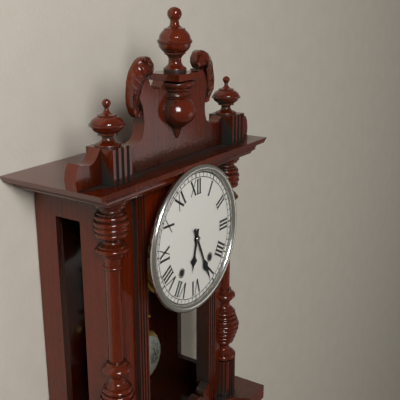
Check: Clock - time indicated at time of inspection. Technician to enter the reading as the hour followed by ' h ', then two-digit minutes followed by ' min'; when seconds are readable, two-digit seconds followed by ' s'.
6 h 26 min
